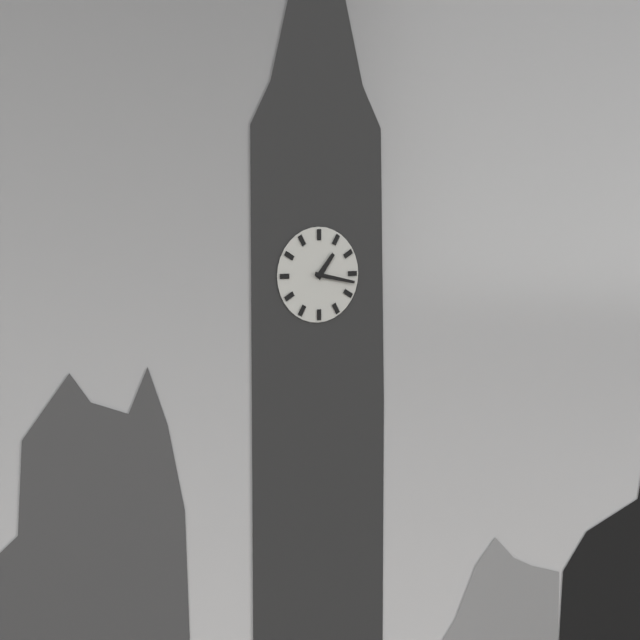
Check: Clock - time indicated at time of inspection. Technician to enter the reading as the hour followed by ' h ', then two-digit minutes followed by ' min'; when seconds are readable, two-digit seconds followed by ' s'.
1 h 17 min
